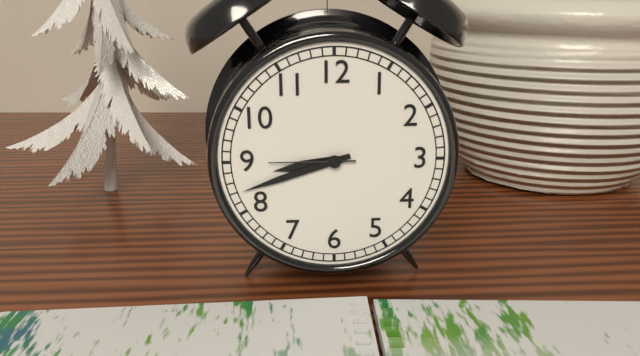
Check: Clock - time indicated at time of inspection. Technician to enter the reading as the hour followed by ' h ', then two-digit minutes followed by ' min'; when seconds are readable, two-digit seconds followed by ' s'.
8 h 42 min 45 s
